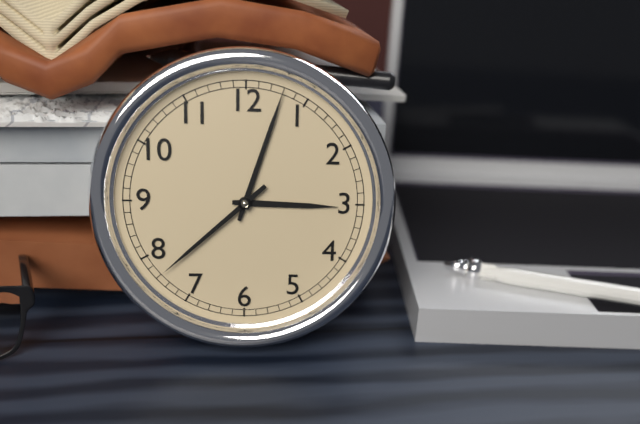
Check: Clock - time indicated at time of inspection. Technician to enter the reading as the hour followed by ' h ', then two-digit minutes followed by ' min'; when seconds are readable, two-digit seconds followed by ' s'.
3 h 03 min 38 s
